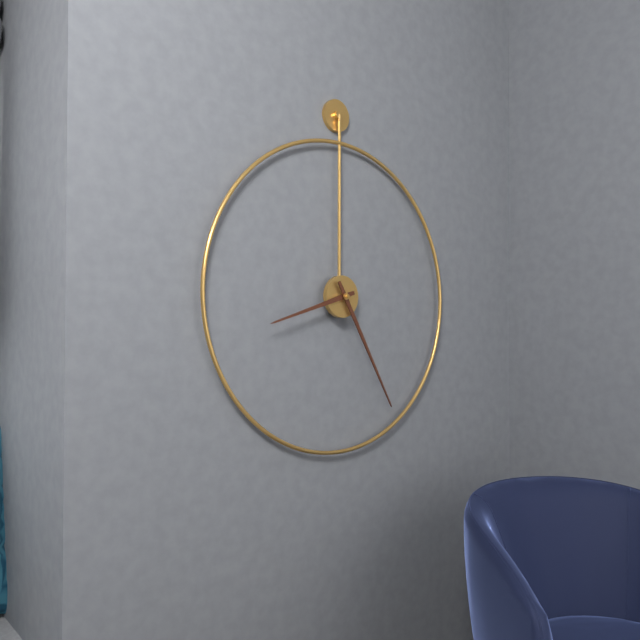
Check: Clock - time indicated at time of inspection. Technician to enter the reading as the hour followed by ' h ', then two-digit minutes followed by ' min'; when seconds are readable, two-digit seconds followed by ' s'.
8 h 25 min
